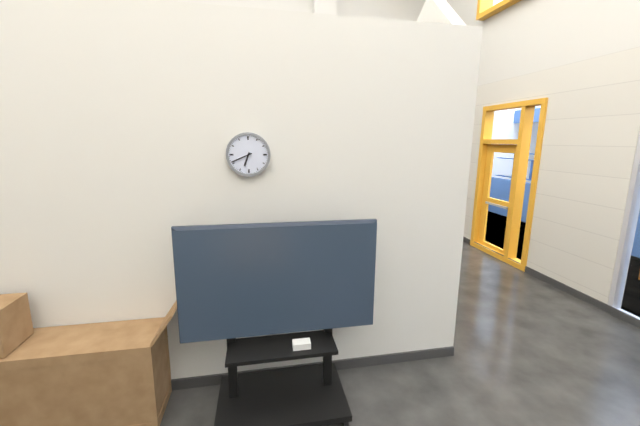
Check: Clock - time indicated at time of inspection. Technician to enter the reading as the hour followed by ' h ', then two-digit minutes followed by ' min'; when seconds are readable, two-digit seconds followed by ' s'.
6 h 41 min
